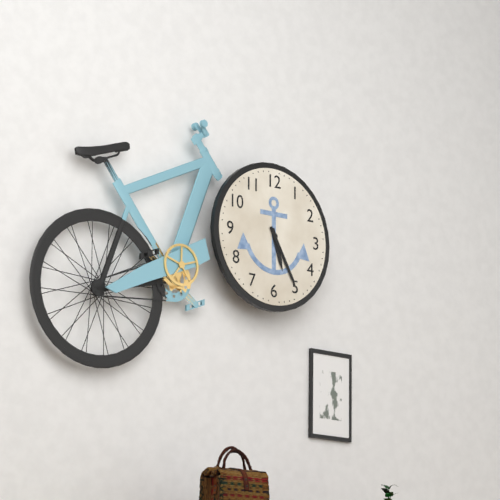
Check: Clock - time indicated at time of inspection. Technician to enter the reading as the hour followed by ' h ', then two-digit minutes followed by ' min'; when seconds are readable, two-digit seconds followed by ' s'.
5 h 25 min
